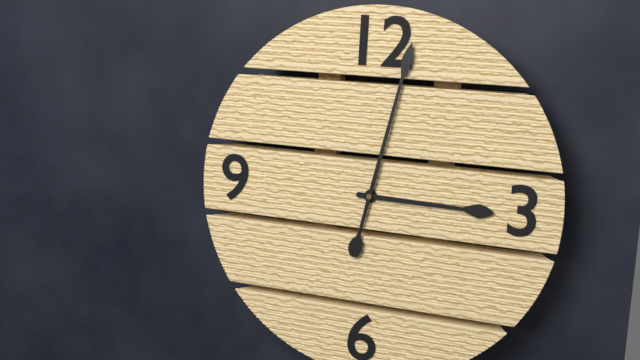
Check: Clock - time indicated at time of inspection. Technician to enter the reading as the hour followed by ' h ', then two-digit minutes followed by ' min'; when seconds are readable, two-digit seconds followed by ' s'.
3 h 02 min
